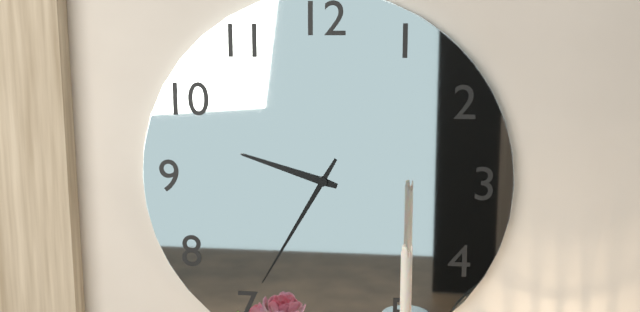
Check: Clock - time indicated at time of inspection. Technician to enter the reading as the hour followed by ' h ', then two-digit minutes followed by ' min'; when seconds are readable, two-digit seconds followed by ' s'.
9 h 35 min
